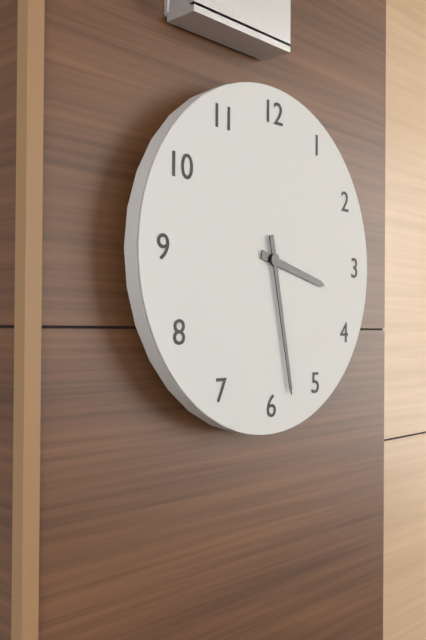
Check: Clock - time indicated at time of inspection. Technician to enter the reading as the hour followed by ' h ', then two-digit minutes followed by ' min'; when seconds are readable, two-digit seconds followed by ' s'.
3 h 28 min
